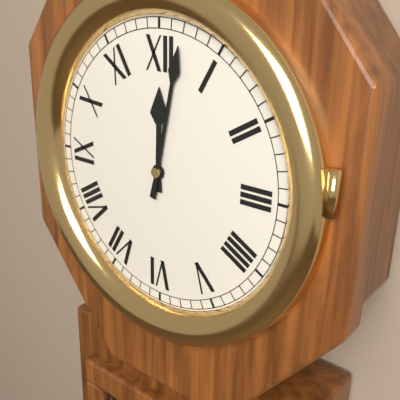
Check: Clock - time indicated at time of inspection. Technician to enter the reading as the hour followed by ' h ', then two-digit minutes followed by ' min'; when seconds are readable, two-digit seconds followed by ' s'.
12 h 02 min
